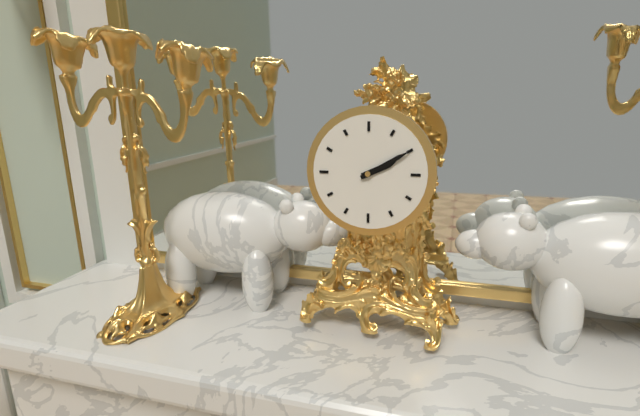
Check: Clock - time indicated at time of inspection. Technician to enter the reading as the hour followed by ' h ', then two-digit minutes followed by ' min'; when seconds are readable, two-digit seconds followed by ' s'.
2 h 10 min
